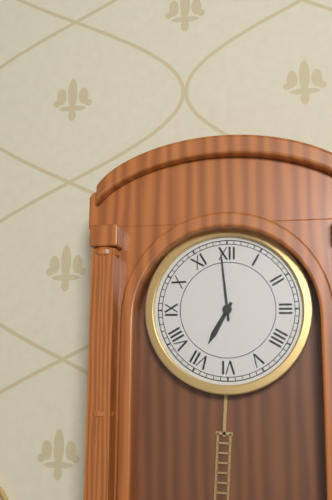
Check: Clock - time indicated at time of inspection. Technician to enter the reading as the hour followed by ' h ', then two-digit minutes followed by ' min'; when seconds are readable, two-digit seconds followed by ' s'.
6 h 59 min
